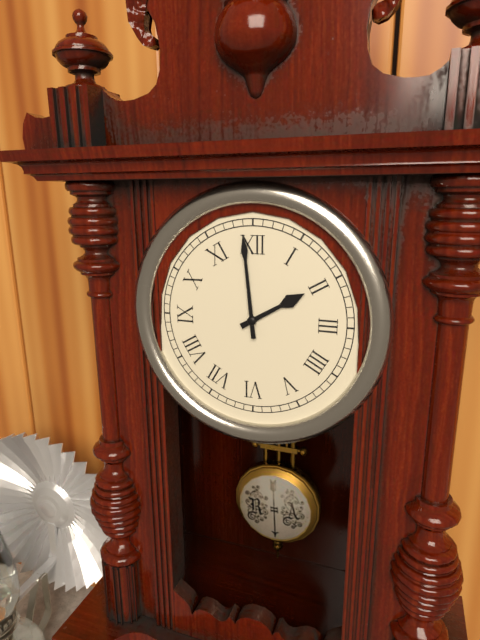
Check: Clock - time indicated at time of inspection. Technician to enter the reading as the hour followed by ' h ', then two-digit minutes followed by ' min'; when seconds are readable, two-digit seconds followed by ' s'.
1 h 59 min
